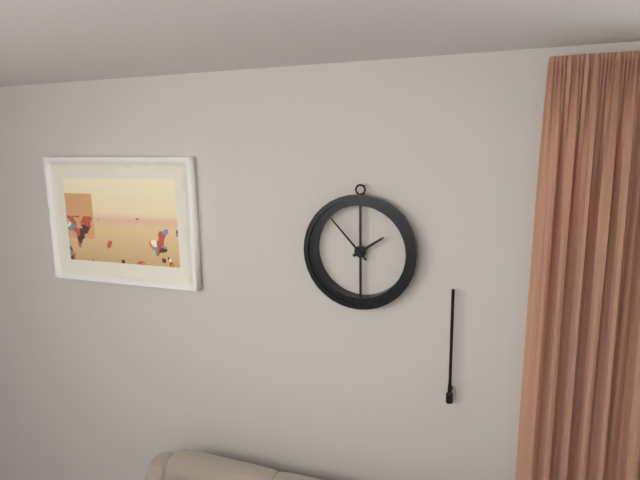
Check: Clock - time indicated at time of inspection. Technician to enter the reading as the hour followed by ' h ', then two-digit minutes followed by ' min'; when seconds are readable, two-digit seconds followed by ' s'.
1 h 53 min
